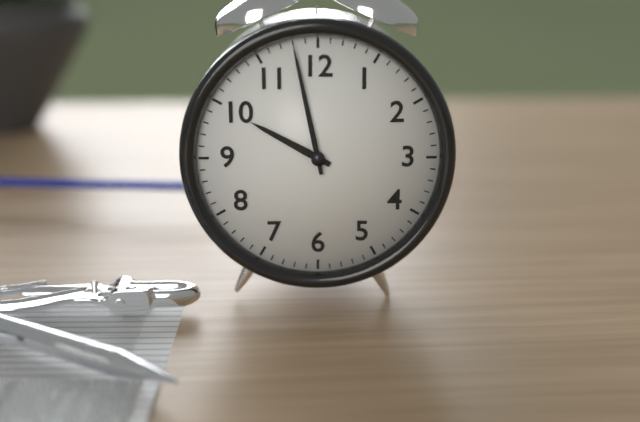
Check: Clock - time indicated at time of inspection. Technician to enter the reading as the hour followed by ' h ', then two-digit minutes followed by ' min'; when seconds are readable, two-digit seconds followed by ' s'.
9 h 58 min
